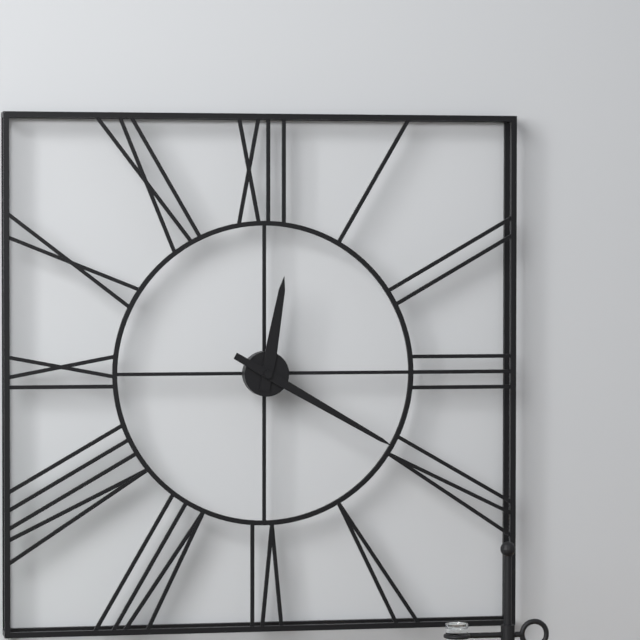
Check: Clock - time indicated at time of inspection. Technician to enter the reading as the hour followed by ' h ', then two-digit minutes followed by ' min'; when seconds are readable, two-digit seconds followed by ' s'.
12 h 20 min
